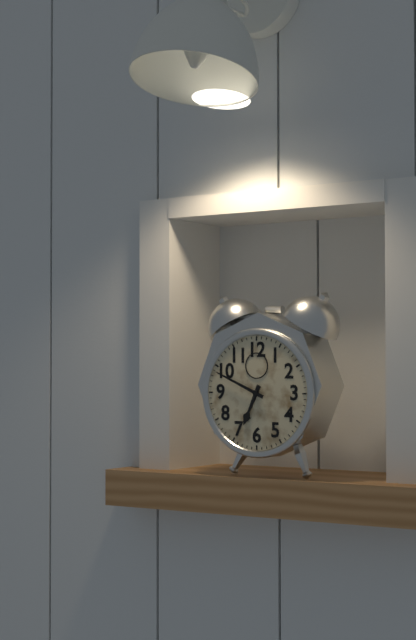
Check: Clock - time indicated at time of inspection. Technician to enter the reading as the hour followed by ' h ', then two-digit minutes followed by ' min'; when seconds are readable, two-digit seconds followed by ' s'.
6 h 49 min
